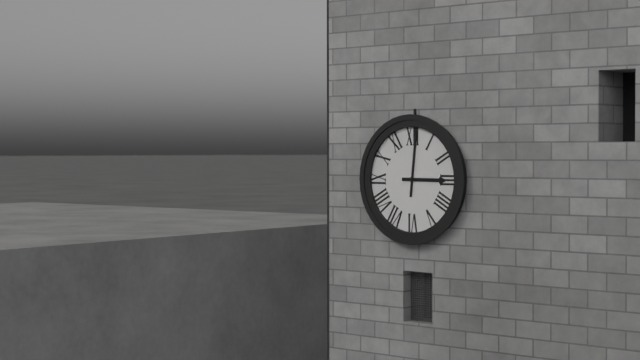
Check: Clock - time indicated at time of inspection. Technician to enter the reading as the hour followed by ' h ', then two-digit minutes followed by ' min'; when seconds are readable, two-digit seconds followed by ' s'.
3 h 01 min
